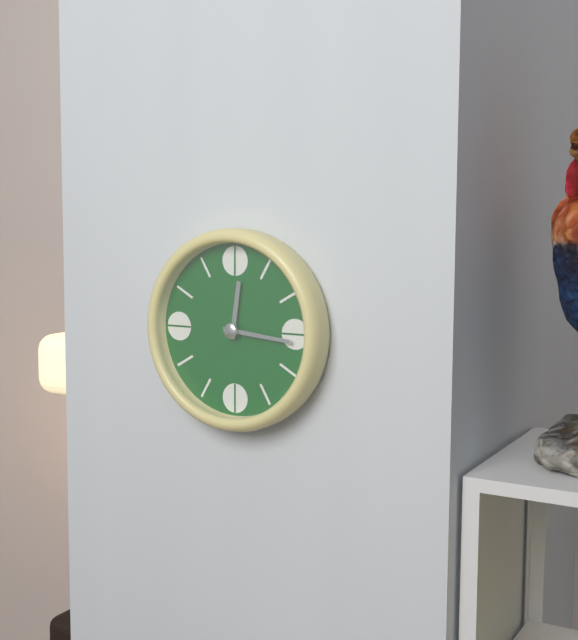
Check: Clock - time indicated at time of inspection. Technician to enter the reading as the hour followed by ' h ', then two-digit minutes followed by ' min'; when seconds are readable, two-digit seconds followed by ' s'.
12 h 16 min
